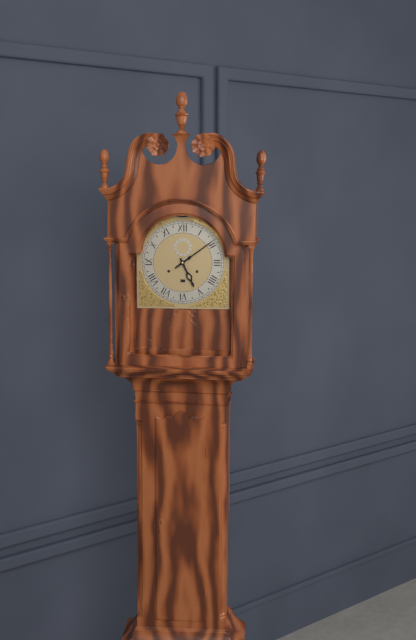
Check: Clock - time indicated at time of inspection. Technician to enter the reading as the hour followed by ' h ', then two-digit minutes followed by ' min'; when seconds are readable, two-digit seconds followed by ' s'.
5 h 09 min
